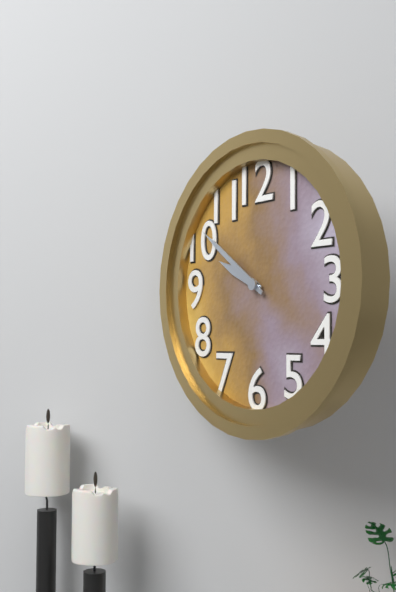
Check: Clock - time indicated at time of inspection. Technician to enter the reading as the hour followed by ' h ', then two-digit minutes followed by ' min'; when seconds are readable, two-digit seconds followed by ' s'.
9 h 51 min
